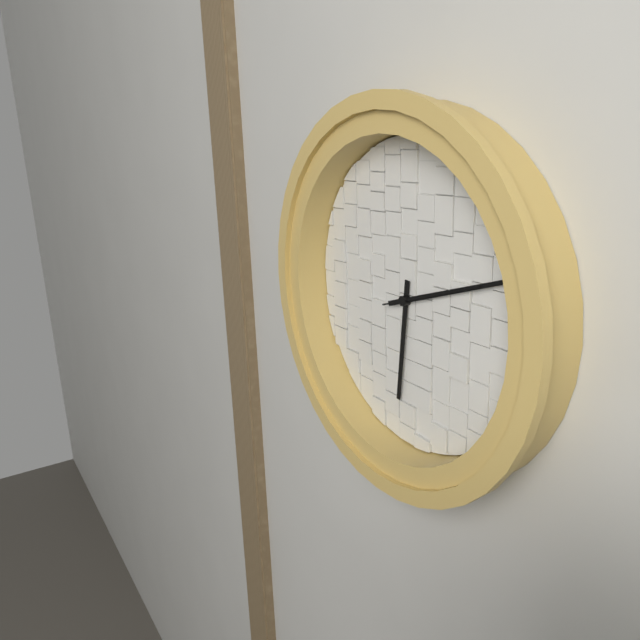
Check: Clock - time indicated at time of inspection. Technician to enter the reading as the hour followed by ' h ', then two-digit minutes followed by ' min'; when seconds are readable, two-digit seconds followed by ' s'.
6 h 12 min 12 s
